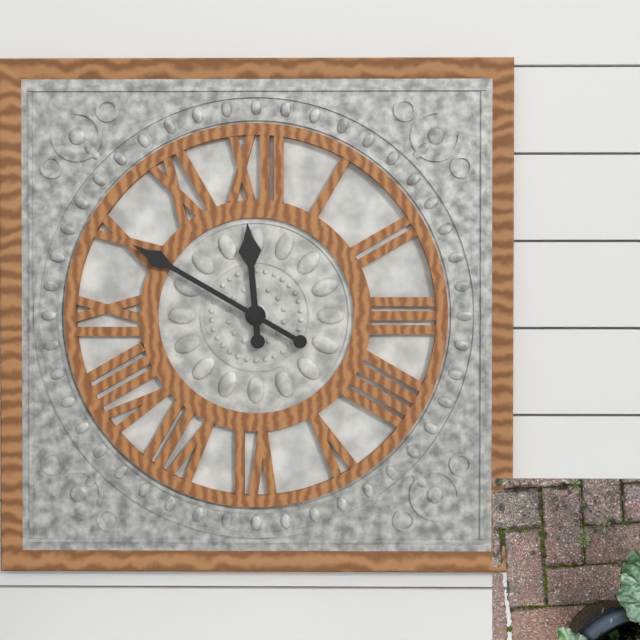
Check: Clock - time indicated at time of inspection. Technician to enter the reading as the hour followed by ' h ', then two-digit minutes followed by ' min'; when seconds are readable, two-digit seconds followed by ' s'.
11 h 50 min
